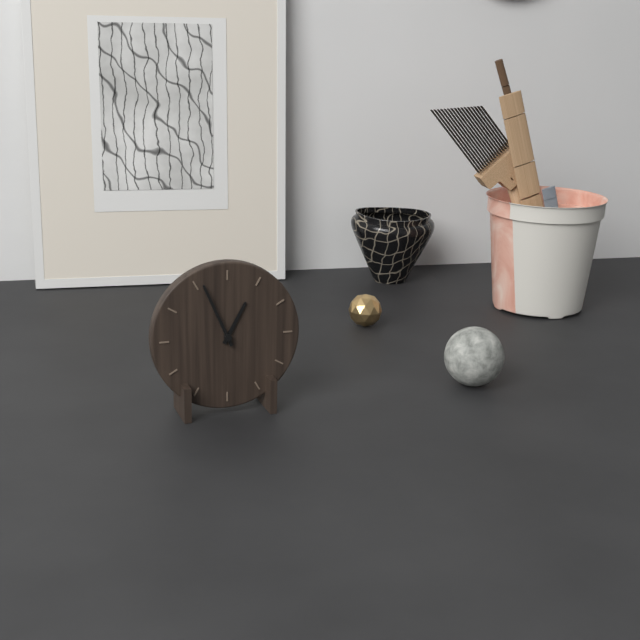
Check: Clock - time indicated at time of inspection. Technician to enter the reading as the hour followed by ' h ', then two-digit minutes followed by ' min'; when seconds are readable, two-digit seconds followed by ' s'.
12 h 56 min
